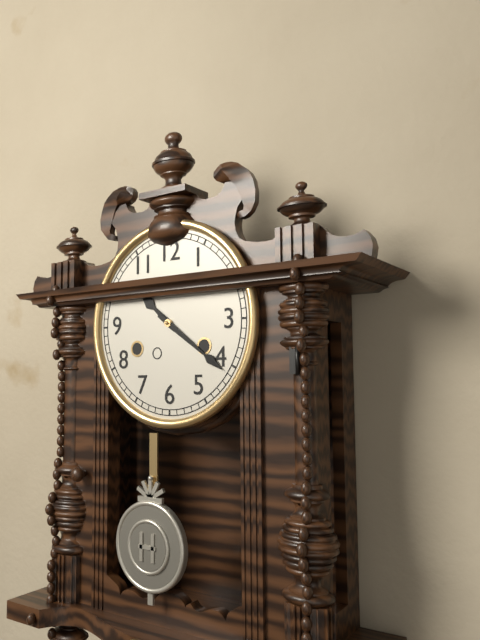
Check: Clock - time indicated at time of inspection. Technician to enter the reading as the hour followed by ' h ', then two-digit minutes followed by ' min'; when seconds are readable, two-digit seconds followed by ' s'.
10 h 21 min
